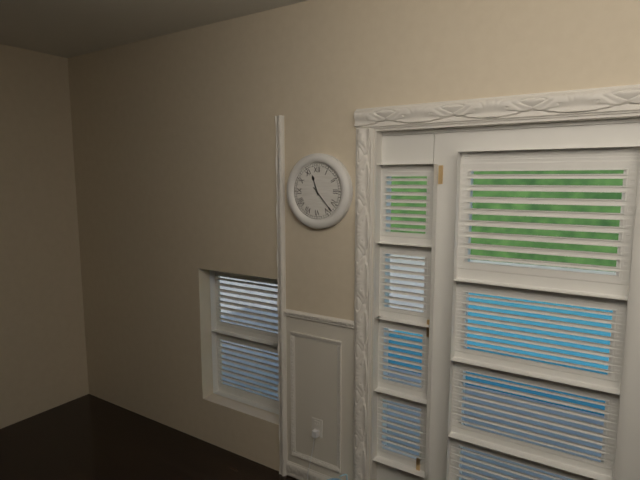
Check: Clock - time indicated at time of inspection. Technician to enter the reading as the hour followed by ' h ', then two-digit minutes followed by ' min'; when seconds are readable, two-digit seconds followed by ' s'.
11 h 23 min
